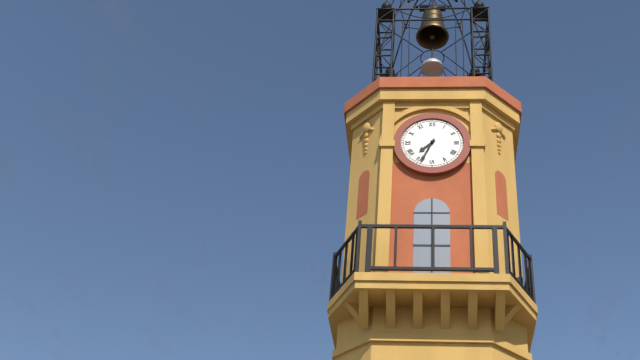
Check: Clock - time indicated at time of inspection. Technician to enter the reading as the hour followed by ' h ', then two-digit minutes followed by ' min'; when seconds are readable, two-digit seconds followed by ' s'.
7 h 34 min
